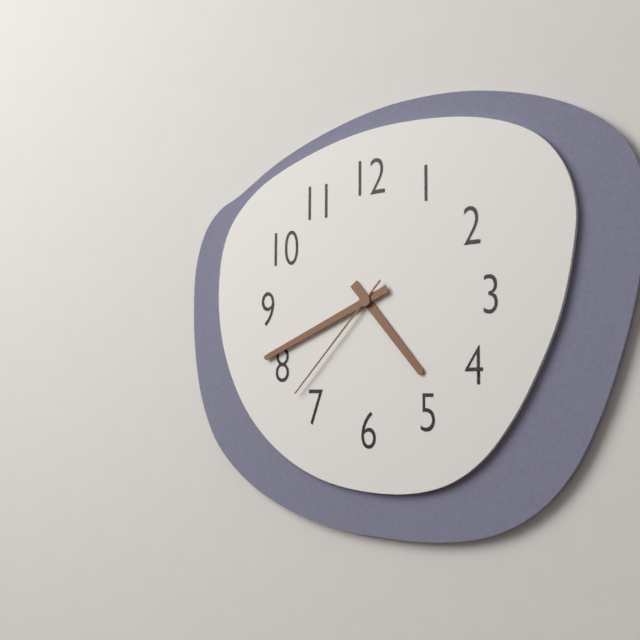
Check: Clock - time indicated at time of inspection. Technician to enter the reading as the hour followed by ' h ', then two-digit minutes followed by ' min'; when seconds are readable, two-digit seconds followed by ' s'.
4 h 41 min 37 s
